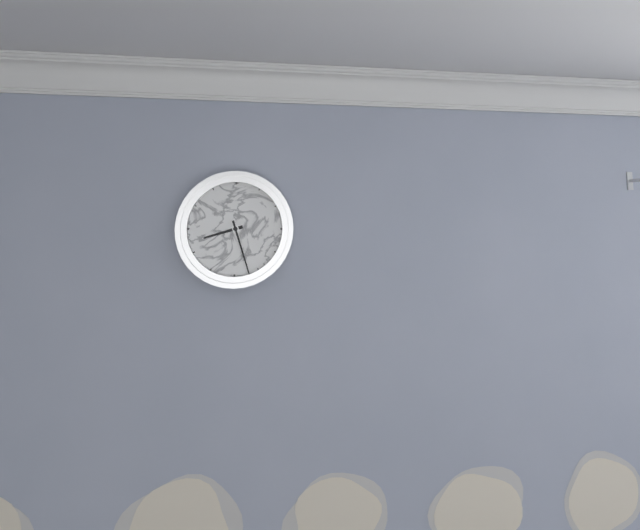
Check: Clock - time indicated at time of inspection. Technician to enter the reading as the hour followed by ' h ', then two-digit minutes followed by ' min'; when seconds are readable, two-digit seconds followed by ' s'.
8 h 27 min
